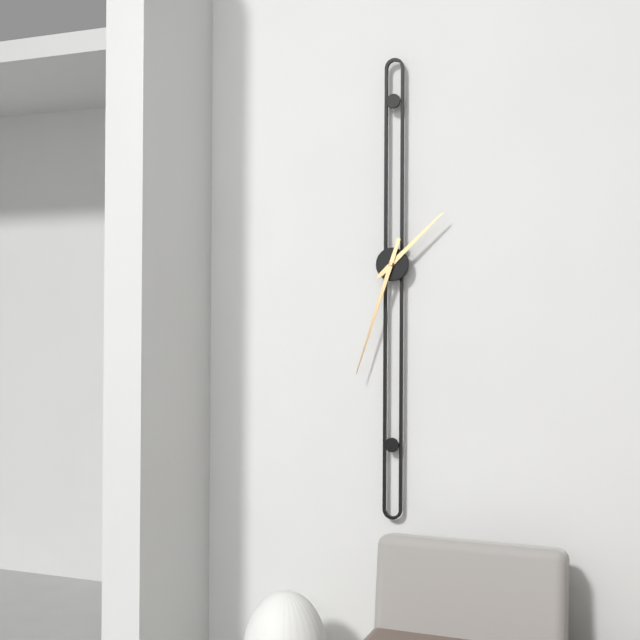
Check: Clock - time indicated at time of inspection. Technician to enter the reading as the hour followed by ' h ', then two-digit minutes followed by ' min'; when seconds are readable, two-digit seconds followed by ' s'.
1 h 33 min
